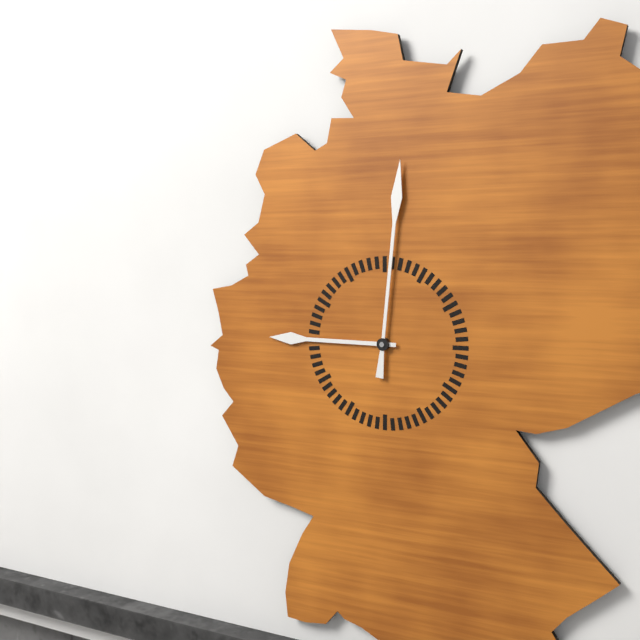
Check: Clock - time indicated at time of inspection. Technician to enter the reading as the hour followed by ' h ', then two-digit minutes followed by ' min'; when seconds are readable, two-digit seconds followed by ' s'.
9 h 01 min
